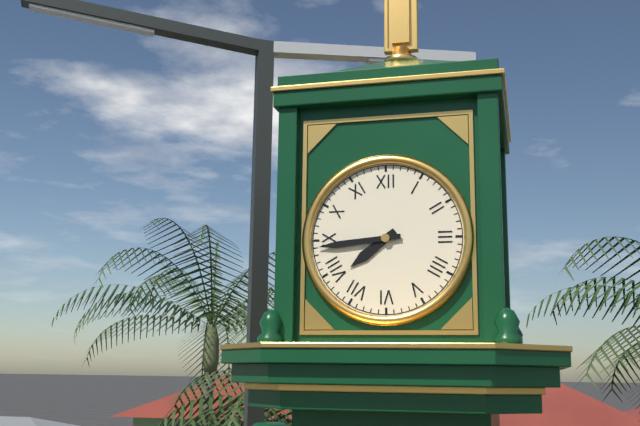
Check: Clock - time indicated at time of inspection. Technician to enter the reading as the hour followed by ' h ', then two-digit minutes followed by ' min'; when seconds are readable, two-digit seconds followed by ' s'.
7 h 44 min
